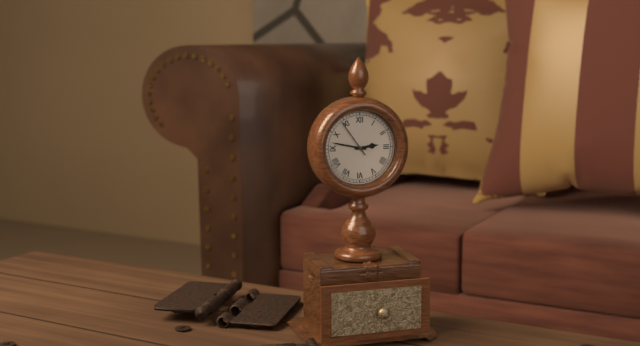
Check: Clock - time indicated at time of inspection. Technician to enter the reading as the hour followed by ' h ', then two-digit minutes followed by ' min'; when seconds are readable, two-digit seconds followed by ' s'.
2 h 47 min
